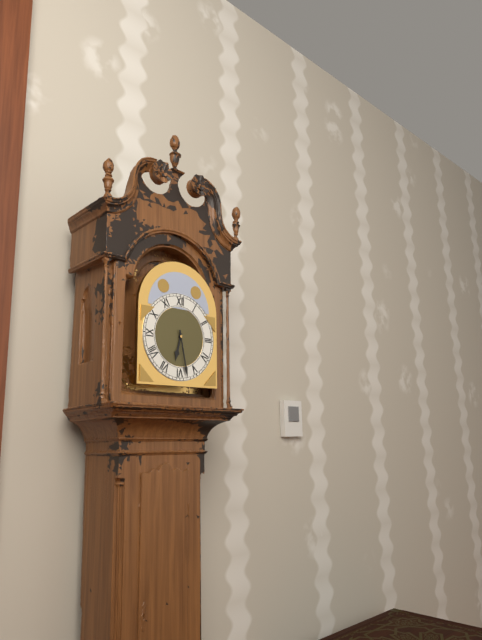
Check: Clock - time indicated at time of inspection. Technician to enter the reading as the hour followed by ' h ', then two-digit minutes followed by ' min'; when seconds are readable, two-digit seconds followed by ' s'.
6 h 28 min
